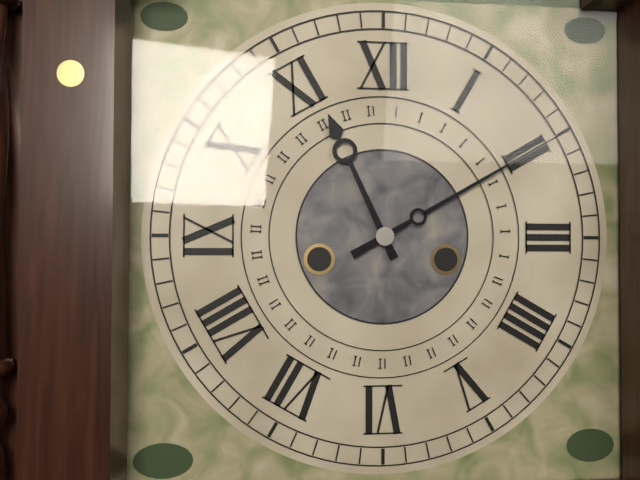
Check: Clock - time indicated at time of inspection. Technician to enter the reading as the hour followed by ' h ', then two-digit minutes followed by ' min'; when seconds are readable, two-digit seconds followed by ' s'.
11 h 10 min
